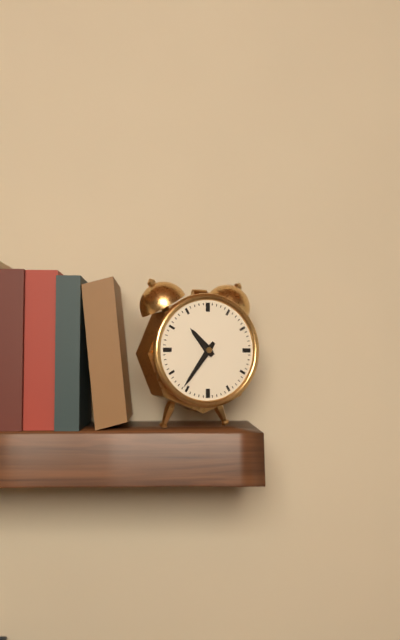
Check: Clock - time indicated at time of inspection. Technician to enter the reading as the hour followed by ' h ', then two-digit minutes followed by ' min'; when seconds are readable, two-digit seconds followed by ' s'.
10 h 36 min
